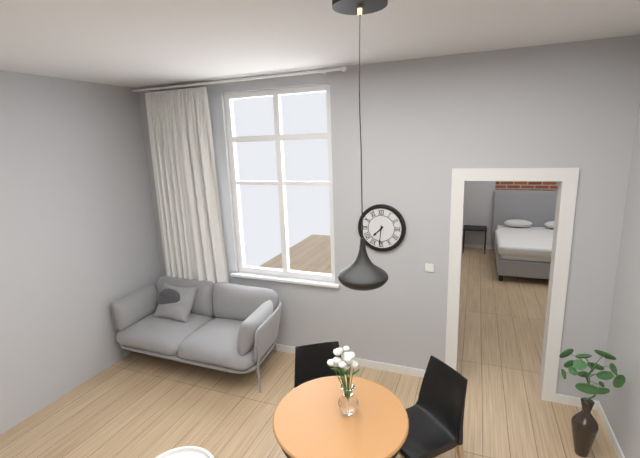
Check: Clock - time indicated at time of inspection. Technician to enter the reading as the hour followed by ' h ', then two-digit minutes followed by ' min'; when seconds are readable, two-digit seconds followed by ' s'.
7 h 31 min
